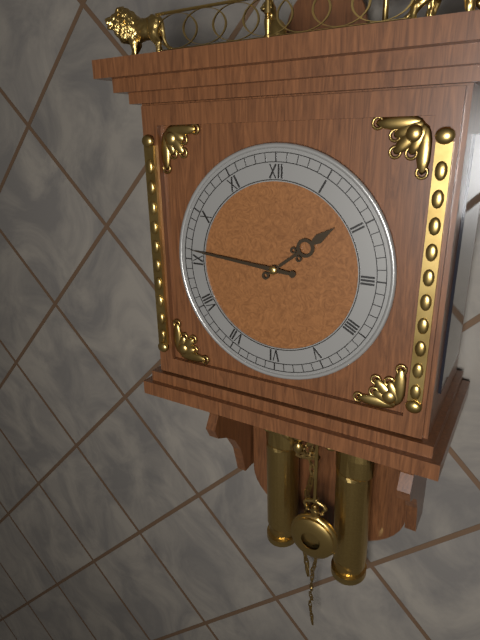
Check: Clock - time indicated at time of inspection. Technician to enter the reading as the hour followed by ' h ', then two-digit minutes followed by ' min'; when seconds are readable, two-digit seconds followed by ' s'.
1 h 46 min
